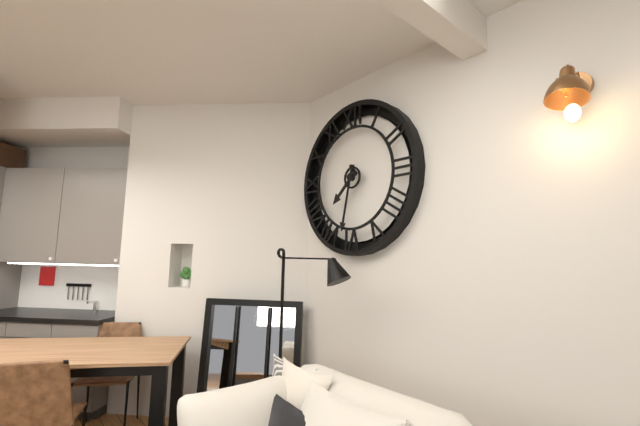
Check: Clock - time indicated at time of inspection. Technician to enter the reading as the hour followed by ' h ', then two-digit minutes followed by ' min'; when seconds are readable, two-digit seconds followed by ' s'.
7 h 32 min
